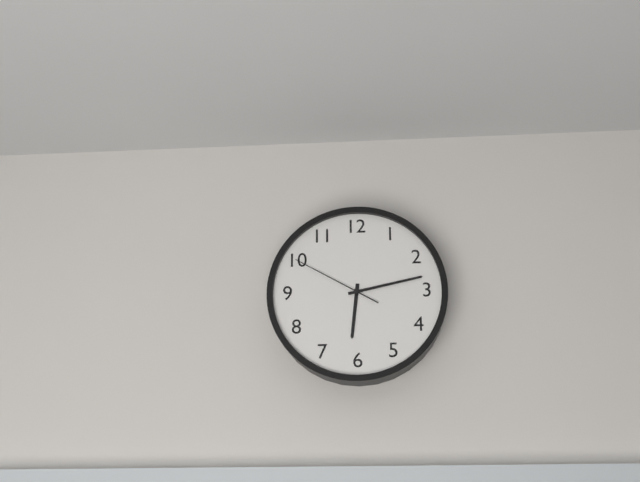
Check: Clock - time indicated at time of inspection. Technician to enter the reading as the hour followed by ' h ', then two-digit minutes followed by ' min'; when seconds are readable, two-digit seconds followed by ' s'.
6 h 13 min 50 s
